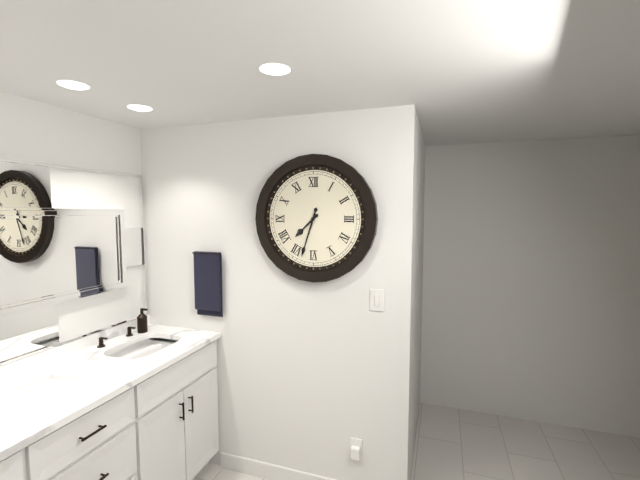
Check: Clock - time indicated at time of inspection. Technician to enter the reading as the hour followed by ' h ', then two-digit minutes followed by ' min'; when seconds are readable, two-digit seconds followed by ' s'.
7 h 33 min
